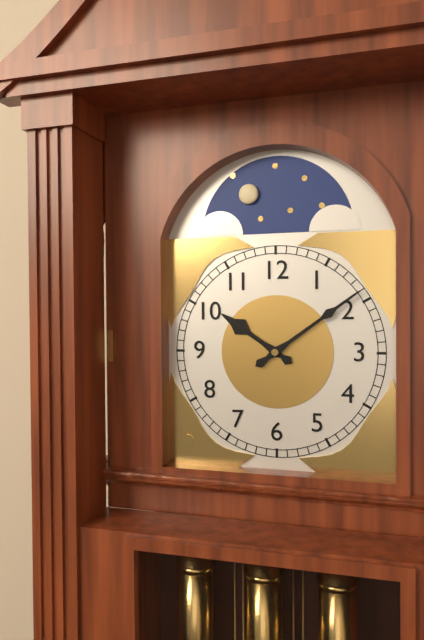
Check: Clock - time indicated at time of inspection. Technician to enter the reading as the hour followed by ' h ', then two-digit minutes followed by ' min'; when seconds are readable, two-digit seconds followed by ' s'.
10 h 09 min
